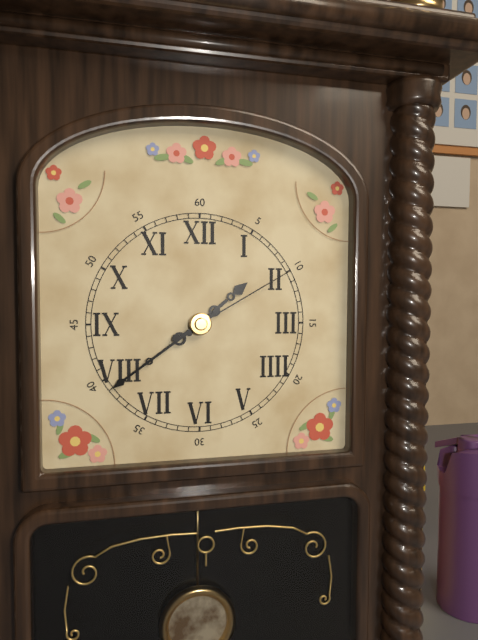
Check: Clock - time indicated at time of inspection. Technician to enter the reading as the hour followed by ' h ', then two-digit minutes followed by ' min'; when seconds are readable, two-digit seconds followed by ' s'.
1 h 39 min 10 s
